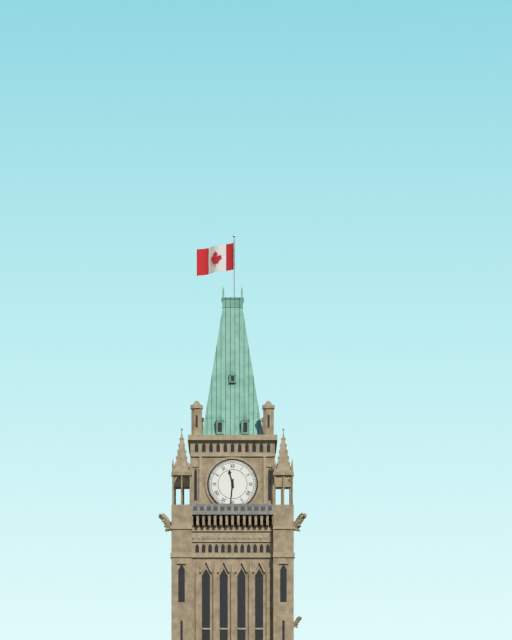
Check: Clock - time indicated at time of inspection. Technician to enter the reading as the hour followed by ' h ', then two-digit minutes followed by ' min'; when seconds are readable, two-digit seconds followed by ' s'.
11 h 31 min
